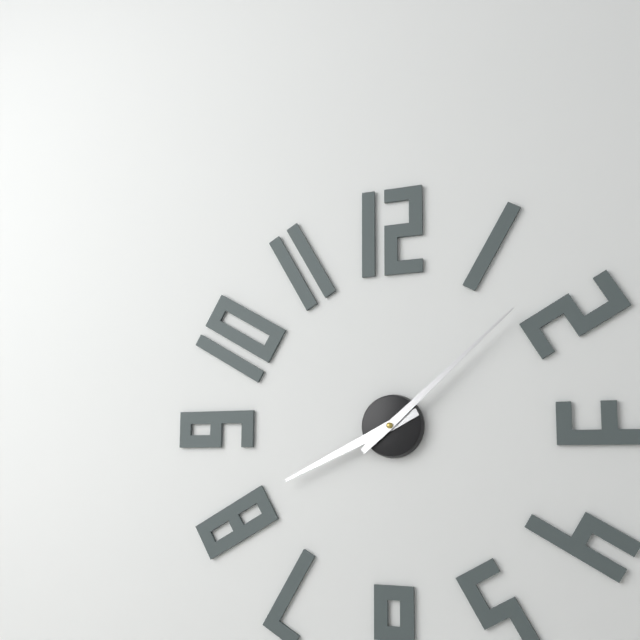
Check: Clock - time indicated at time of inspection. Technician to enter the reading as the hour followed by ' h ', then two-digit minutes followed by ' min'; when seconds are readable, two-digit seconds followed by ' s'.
8 h 08 min
